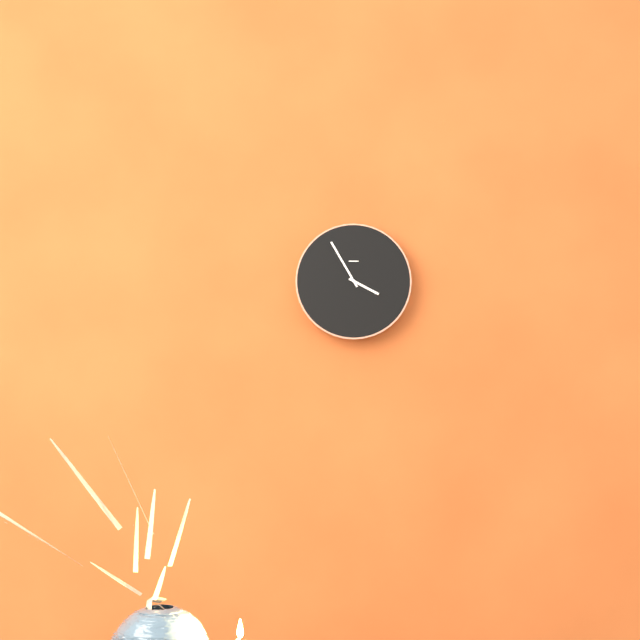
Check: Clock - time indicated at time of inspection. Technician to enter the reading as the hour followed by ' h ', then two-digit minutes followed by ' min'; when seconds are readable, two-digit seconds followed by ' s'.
3 h 55 min
